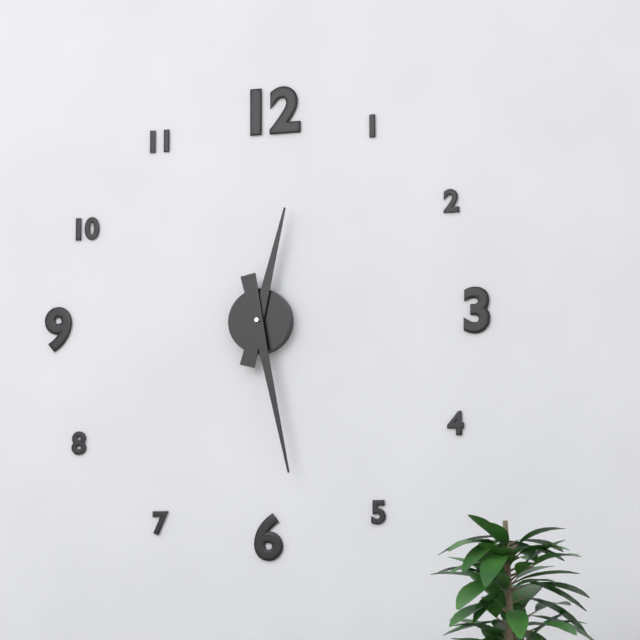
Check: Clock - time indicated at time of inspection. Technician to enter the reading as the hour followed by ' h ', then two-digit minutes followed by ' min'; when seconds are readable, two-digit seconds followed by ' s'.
12 h 28 min
